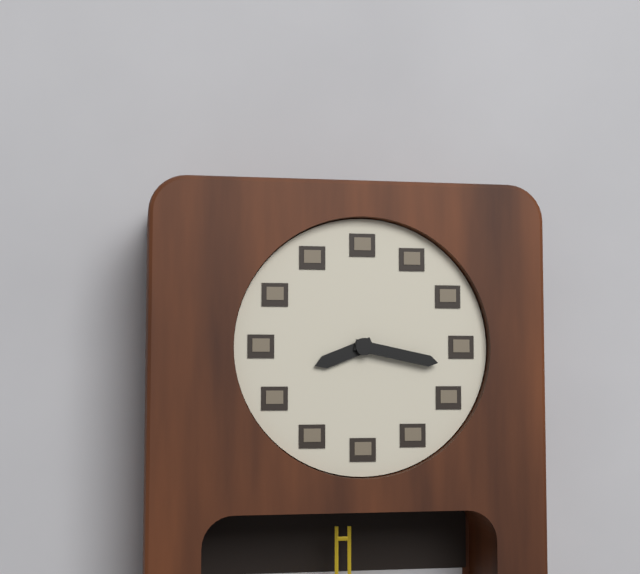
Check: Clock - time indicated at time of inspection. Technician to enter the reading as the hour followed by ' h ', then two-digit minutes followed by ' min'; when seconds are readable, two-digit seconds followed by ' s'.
8 h 17 min
